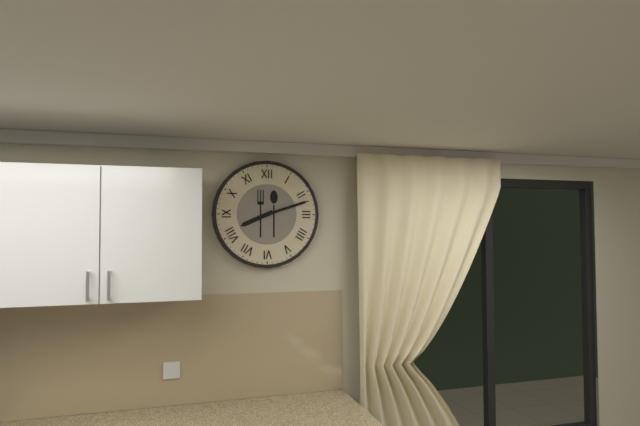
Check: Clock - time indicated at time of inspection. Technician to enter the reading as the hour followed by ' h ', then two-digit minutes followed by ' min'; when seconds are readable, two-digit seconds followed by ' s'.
8 h 12 min
